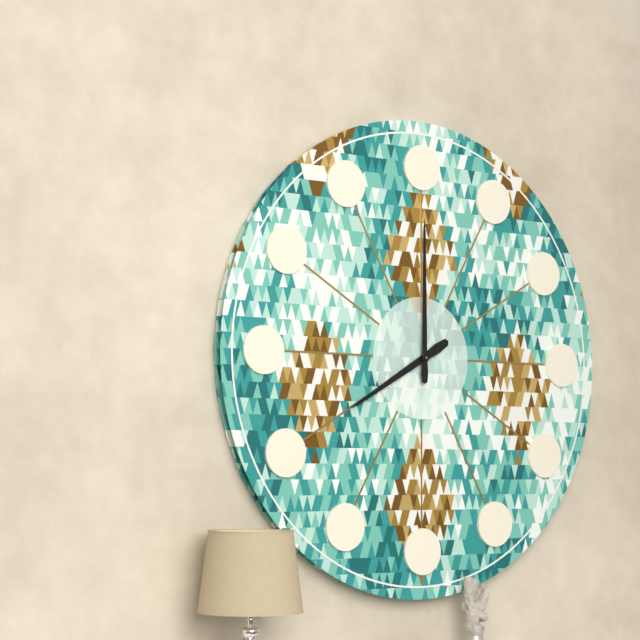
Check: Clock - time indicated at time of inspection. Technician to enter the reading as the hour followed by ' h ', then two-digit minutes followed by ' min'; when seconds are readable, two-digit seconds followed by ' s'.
8 h 00 min
